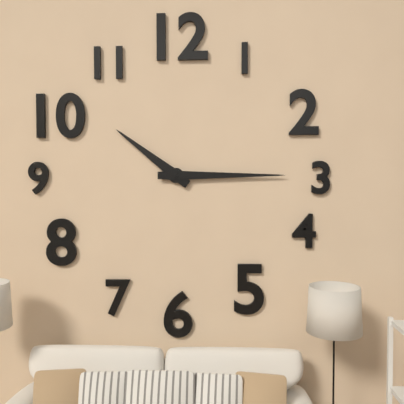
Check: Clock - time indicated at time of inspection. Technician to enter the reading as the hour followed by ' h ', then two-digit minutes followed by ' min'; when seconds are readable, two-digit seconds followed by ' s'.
10 h 15 min
